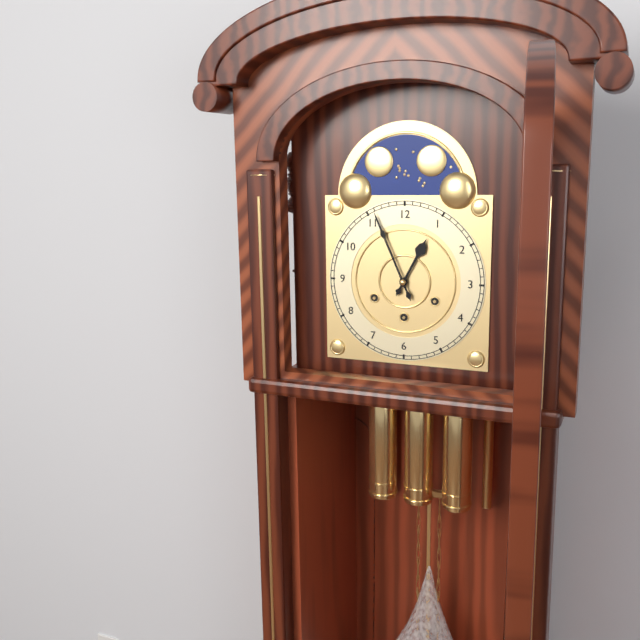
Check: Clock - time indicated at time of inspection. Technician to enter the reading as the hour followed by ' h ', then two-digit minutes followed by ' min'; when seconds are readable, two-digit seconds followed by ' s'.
12 h 56 min
